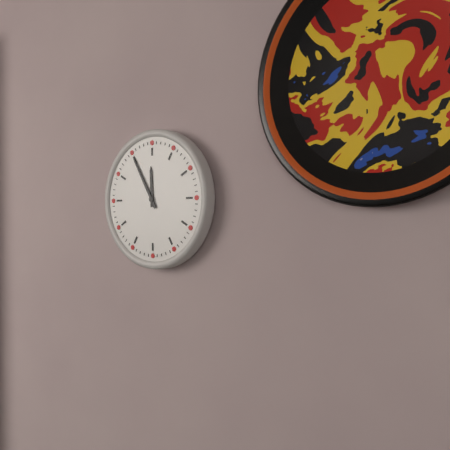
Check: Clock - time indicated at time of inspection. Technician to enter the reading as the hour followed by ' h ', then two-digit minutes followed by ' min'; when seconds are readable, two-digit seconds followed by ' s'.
11 h 55 min
